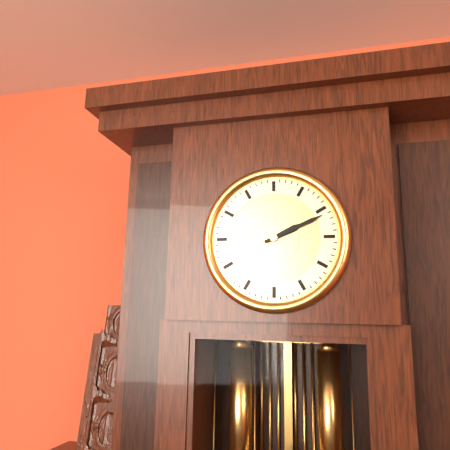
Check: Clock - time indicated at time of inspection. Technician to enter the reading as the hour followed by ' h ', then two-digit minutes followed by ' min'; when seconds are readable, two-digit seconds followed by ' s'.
2 h 11 min
